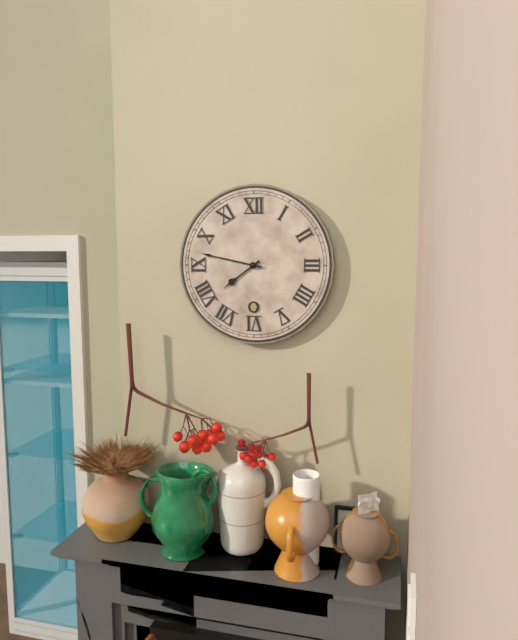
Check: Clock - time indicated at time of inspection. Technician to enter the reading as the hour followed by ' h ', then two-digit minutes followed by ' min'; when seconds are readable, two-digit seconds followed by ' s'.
7 h 47 min
